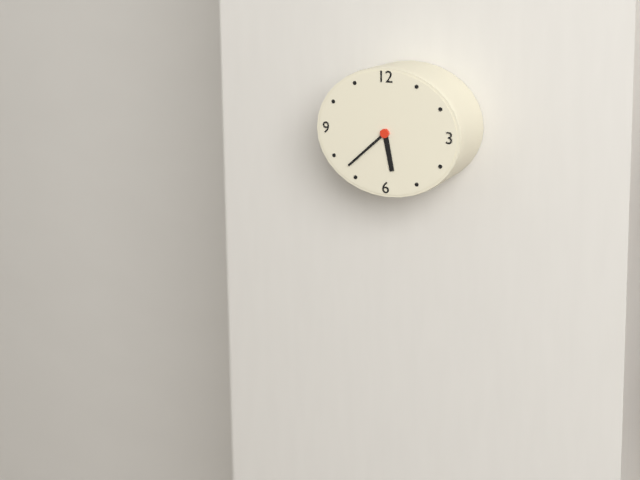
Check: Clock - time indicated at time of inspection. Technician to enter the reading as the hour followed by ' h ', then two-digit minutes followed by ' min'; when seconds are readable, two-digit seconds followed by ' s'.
5 h 38 min
